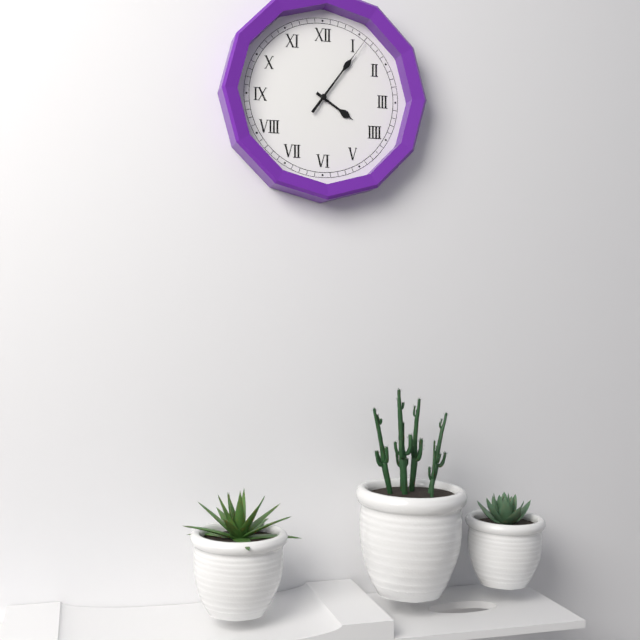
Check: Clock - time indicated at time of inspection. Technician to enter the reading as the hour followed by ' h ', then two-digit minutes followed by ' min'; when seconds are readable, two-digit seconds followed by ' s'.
4 h 06 min 06 s
